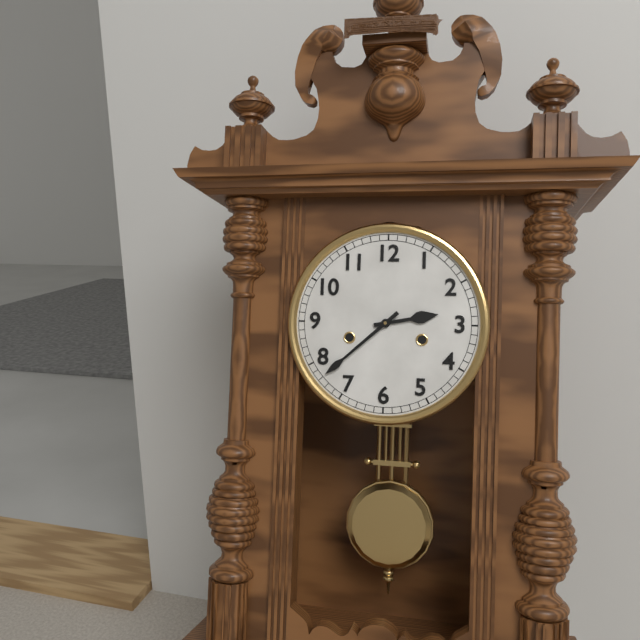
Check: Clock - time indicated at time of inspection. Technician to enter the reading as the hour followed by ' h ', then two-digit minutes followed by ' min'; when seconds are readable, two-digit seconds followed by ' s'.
2 h 38 min
